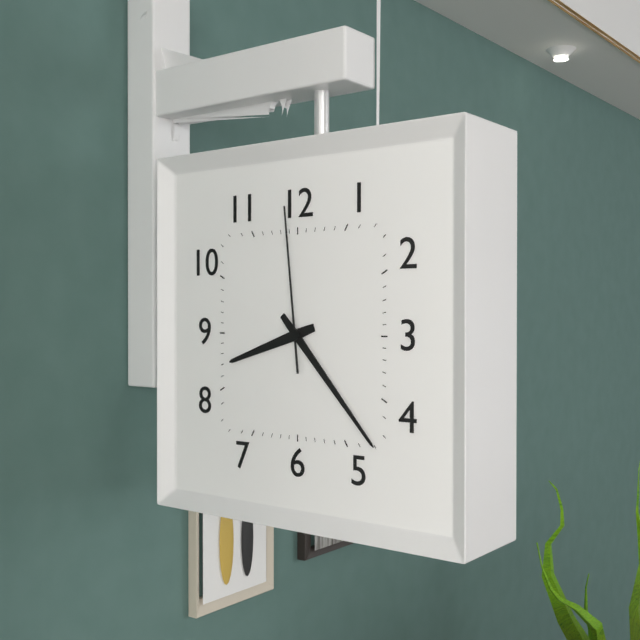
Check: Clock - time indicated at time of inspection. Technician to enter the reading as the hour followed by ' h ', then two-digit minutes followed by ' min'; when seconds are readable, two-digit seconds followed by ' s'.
8 h 23 min 59 s
